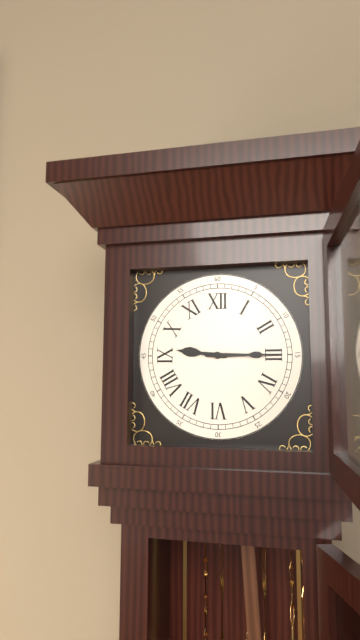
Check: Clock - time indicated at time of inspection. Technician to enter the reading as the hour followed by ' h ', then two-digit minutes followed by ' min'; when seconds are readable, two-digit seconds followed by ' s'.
9 h 15 min
